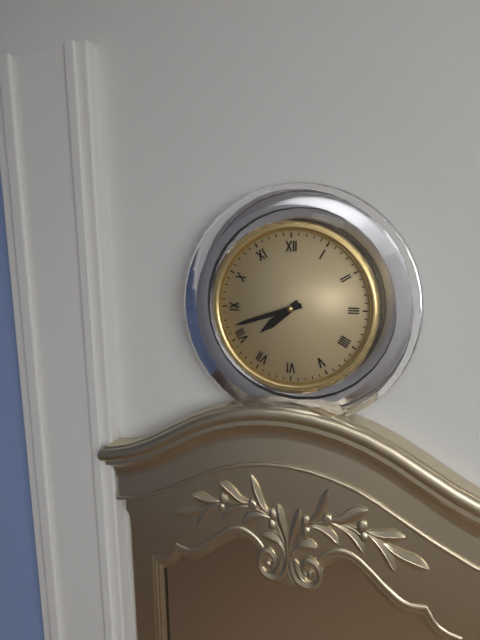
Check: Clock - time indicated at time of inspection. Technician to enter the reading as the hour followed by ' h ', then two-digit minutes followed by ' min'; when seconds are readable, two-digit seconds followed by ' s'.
7 h 42 min
